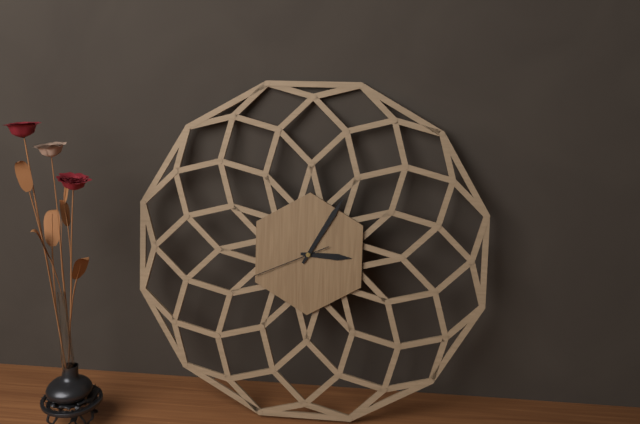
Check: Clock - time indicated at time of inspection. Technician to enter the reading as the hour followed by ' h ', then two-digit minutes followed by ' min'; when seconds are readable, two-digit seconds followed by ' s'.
3 h 05 min 41 s
